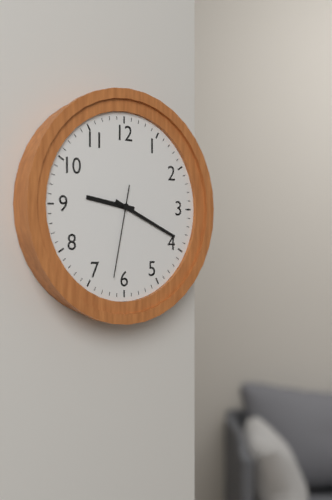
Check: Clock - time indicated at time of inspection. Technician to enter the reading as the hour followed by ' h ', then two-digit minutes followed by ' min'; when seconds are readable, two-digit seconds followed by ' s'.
9 h 19 min 32 s
